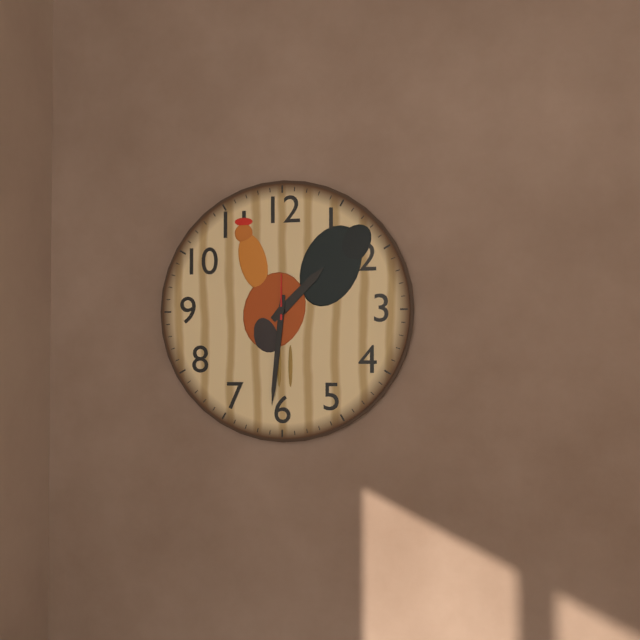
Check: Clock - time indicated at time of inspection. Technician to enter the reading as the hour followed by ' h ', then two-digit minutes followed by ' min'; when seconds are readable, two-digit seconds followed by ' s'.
1 h 31 min
